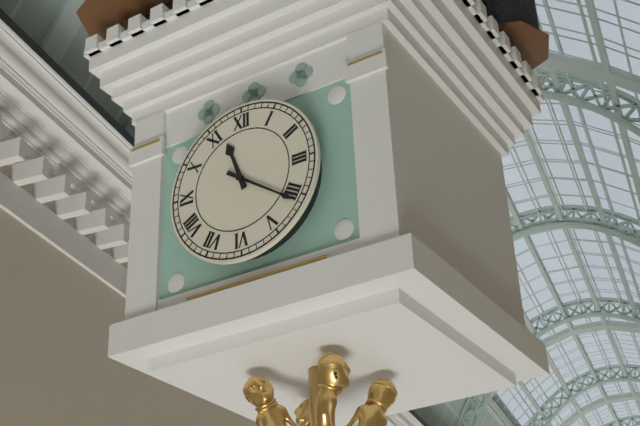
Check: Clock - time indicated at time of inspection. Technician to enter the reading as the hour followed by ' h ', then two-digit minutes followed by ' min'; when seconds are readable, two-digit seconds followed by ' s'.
11 h 21 min
